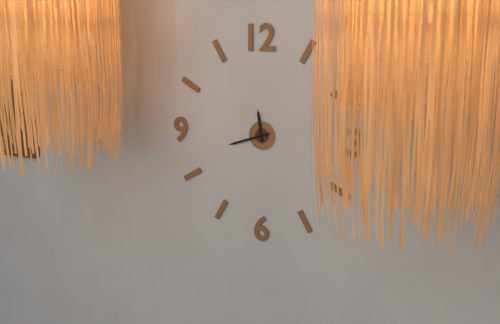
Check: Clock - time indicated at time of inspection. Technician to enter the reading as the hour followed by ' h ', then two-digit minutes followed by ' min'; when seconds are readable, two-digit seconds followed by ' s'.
11 h 42 min
